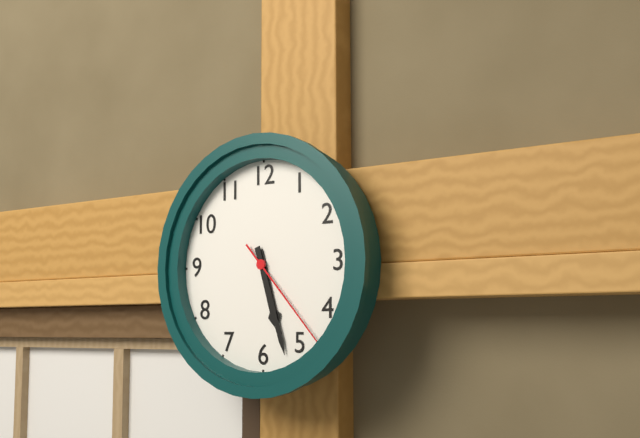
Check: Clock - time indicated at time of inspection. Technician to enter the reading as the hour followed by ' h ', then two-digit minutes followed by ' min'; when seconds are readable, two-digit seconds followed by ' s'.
5 h 27 min 23 s
